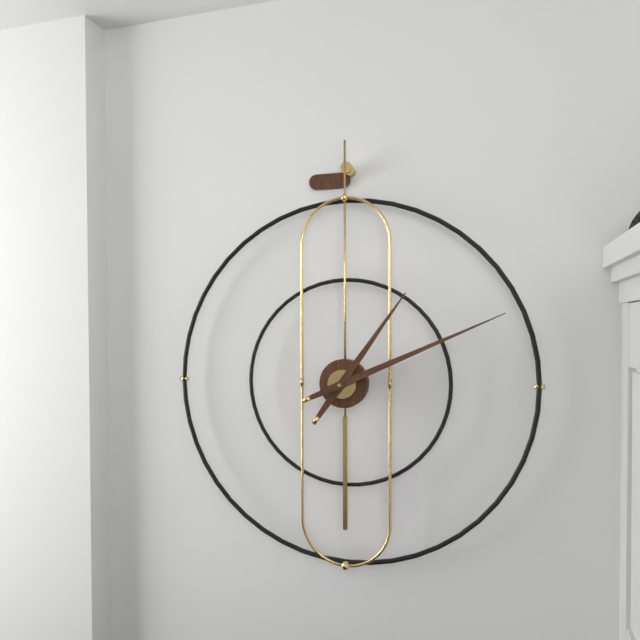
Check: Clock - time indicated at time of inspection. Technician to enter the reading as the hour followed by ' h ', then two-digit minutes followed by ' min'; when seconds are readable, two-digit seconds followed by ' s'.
1 h 11 min
